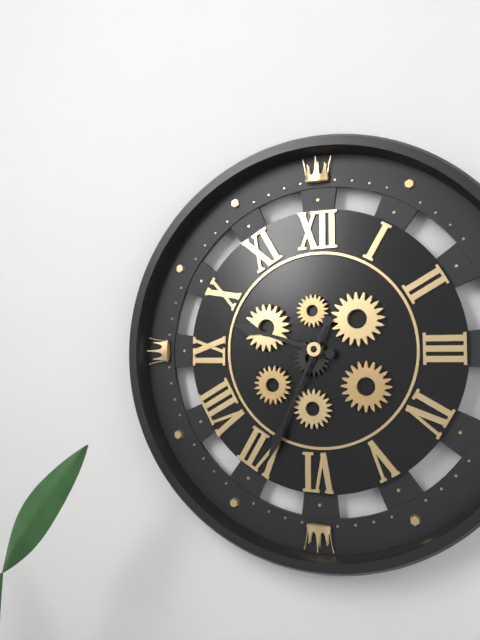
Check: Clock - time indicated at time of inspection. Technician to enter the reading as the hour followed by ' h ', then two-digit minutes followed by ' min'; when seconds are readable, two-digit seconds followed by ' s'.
9 h 34 min
